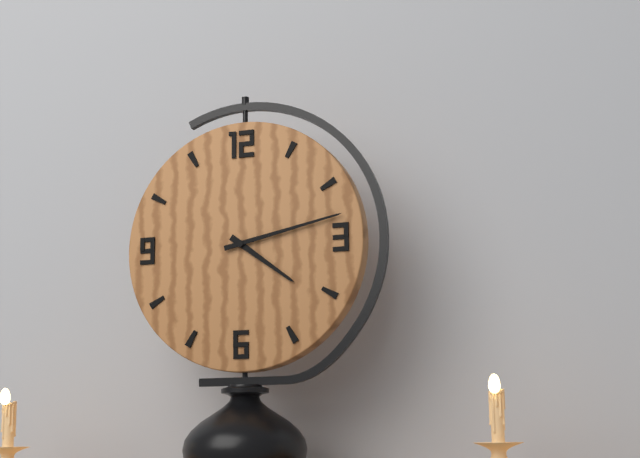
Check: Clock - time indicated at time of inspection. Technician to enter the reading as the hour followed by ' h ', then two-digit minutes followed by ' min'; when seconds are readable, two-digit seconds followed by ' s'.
4 h 13 min
